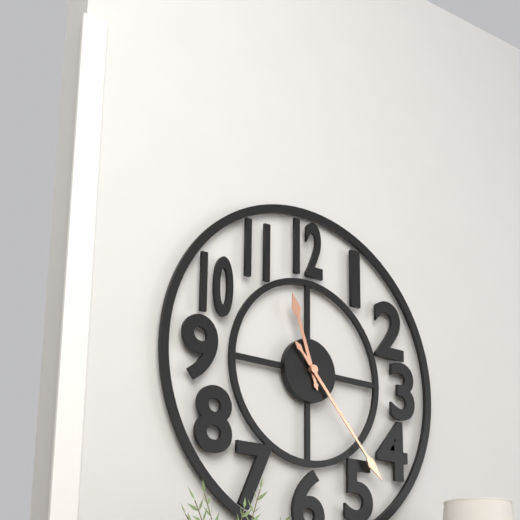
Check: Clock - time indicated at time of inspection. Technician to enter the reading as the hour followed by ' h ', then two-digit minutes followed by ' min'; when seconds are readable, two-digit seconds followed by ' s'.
11 h 23 min
